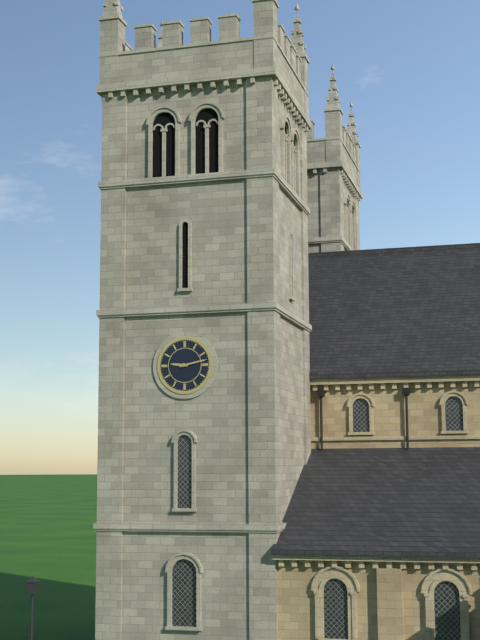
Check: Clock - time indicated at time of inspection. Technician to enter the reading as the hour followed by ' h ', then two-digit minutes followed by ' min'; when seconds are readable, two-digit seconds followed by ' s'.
9 h 13 min
